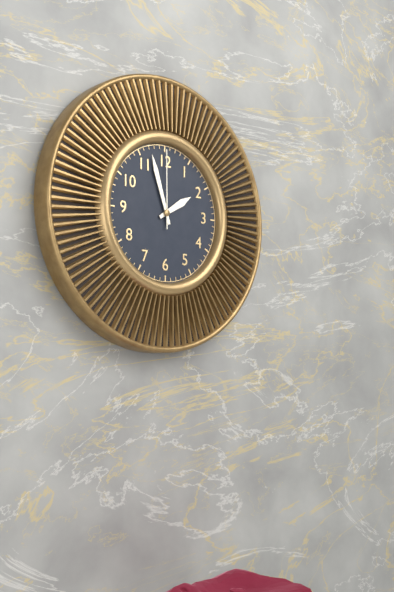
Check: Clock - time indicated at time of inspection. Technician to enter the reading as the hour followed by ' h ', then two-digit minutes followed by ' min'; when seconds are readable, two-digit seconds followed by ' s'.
1 h 57 min 00 s
